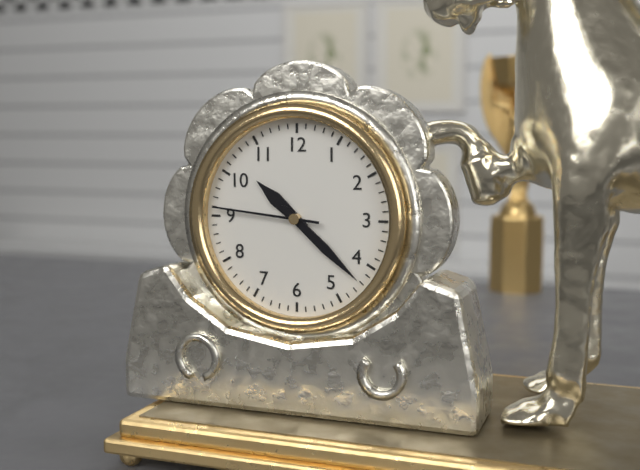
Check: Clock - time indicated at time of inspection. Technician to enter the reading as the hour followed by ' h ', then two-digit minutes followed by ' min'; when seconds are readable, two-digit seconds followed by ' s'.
10 h 22 min 46 s
